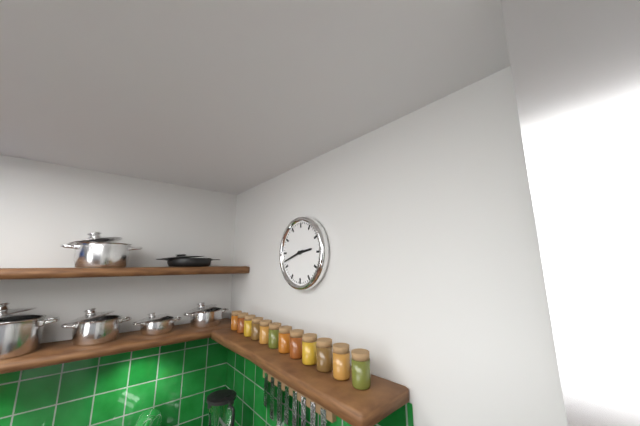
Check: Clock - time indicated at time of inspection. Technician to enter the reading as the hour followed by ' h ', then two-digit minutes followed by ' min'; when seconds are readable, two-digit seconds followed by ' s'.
2 h 42 min
